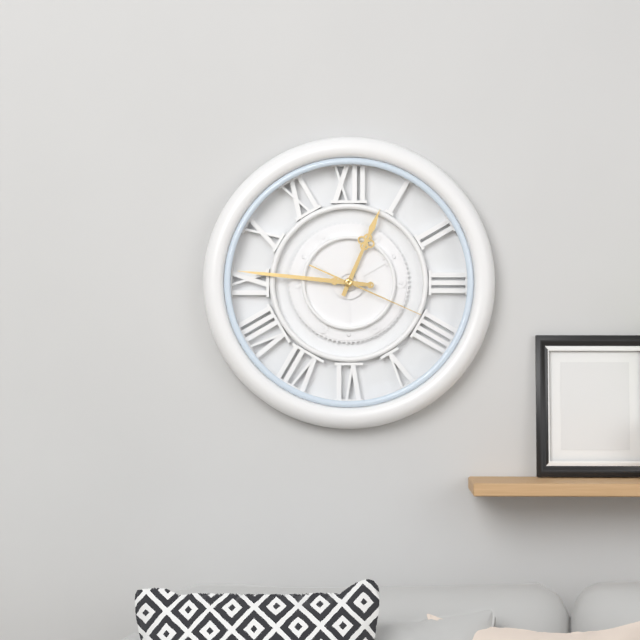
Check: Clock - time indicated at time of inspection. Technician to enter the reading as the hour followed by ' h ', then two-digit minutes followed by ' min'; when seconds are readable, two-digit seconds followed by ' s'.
12 h 46 min 19 s
